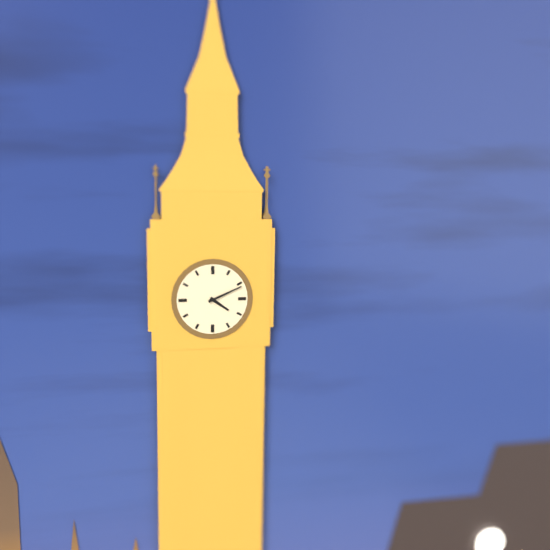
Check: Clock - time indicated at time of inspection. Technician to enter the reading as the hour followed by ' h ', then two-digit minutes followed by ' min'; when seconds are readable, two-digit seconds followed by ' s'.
4 h 11 min
